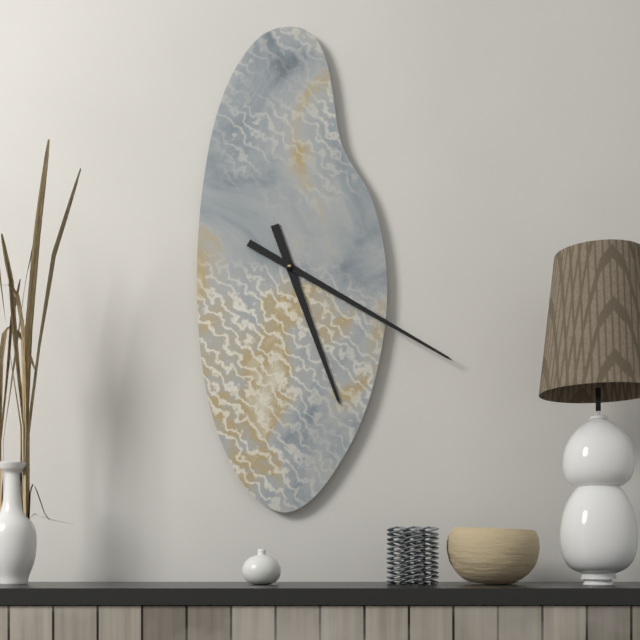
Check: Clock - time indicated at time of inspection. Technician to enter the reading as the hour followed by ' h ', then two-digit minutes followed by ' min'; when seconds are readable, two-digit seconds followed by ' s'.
5 h 20 min
